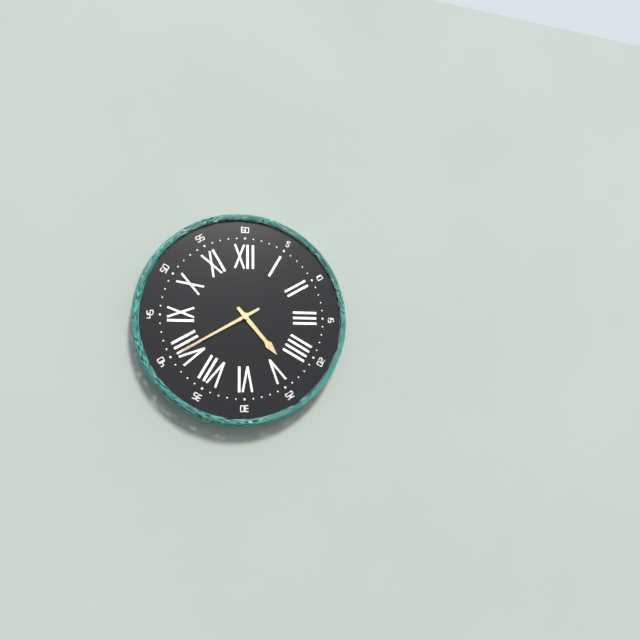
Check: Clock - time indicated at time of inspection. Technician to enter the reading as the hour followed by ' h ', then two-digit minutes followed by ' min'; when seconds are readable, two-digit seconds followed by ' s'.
4 h 40 min
